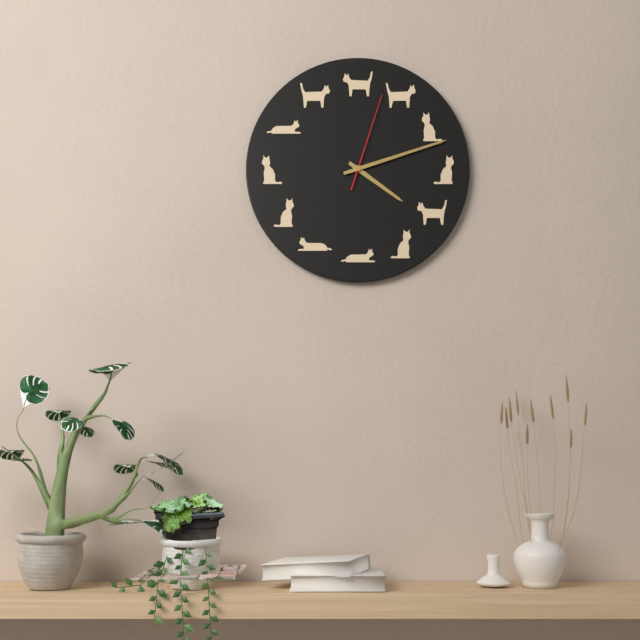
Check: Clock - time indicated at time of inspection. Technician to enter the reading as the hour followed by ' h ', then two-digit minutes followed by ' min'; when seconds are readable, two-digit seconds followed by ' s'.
4 h 12 min 03 s
